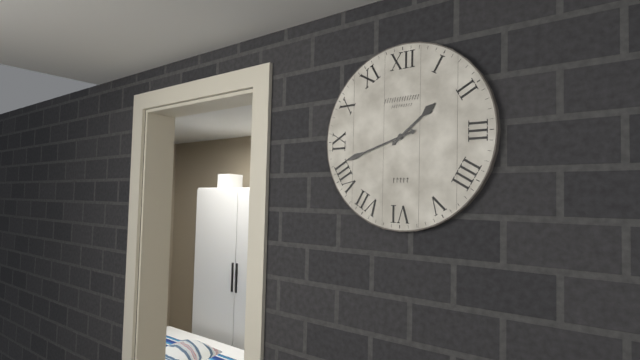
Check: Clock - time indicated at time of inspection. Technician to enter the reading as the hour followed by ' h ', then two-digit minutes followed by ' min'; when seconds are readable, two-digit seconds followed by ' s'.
1 h 42 min
